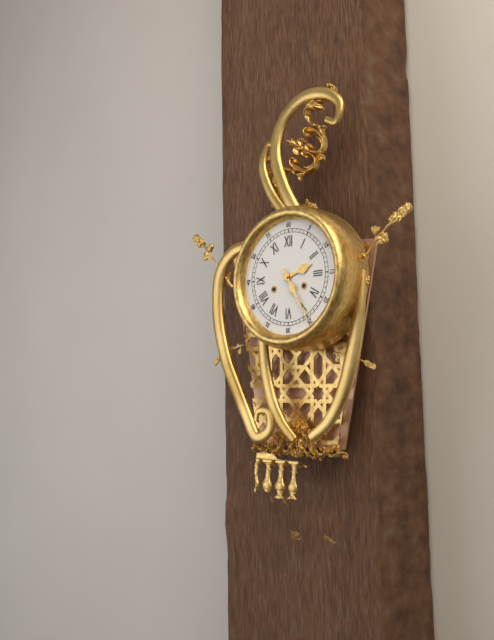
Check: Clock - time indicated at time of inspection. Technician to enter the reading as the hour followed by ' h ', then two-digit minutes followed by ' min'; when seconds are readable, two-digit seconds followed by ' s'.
2 h 25 min
